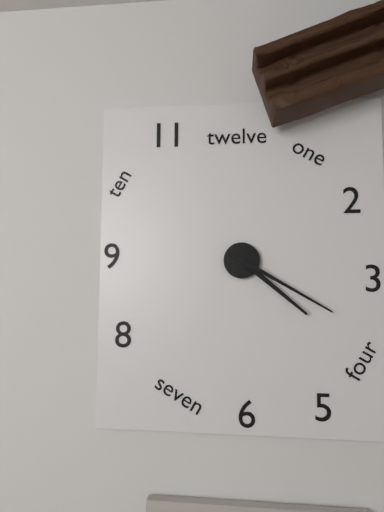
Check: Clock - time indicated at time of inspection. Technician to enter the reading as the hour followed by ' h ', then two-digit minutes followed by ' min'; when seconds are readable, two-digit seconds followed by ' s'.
4 h 20 min
